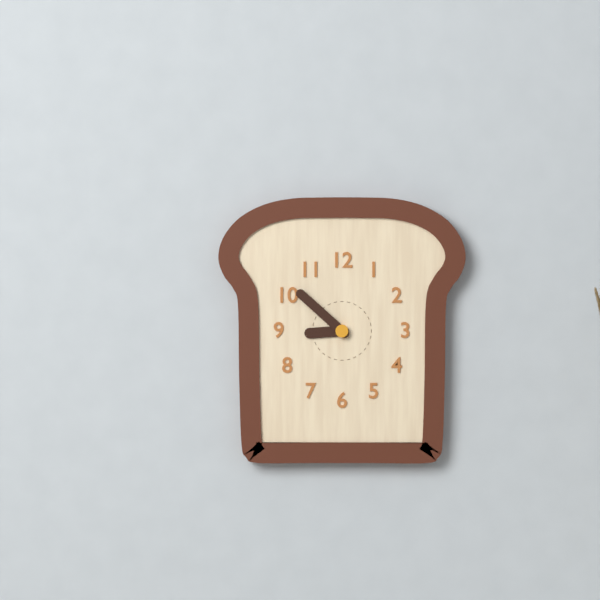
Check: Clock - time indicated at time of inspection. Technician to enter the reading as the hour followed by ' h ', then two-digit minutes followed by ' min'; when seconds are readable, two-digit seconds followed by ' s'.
8 h 52 min
